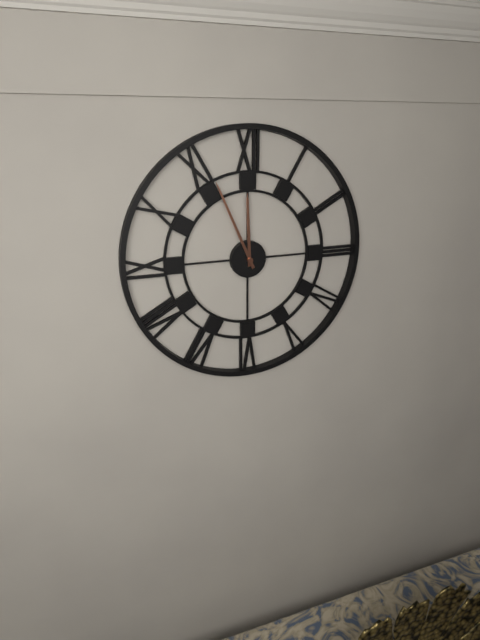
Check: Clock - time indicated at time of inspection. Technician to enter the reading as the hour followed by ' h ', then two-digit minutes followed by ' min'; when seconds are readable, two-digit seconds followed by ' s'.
11 h 56 min
